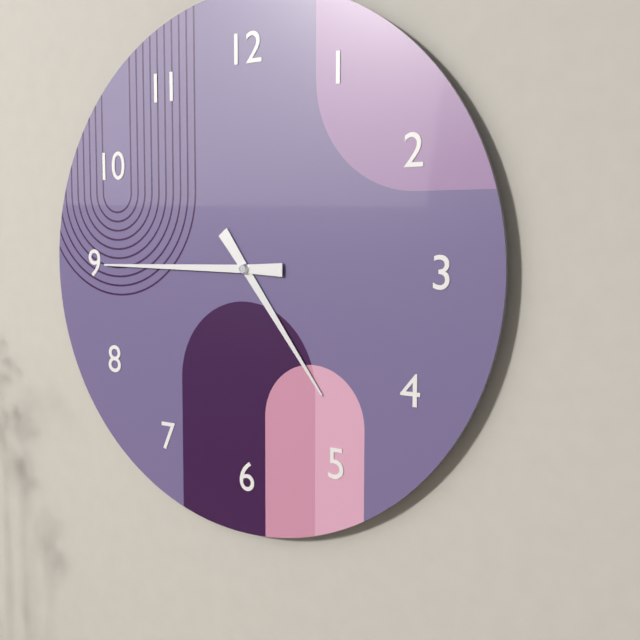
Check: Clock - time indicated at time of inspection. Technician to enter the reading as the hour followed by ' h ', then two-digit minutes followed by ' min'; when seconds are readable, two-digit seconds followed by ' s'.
4 h 45 min
